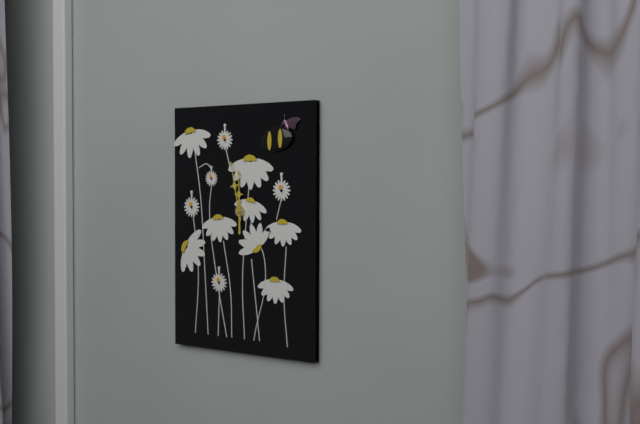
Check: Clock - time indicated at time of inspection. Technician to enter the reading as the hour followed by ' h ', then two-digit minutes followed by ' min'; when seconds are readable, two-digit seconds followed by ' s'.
11 h 58 min
